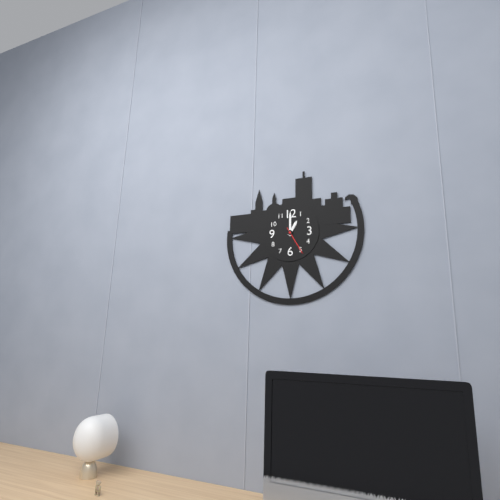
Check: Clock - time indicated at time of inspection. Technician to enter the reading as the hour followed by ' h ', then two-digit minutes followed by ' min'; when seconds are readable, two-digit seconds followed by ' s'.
1 h 00 min
